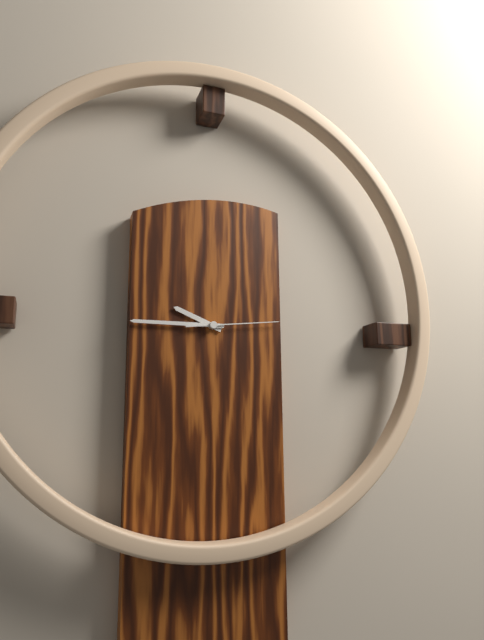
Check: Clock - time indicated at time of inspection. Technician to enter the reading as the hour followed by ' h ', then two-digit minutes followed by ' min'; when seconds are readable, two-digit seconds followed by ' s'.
9 h 45 min 14 s
